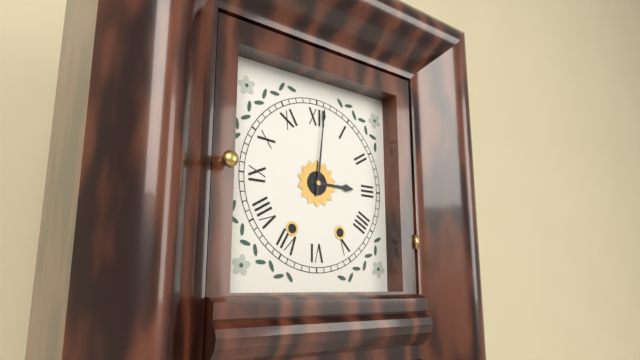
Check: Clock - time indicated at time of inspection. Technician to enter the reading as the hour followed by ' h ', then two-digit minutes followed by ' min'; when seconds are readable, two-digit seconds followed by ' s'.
3 h 01 min
